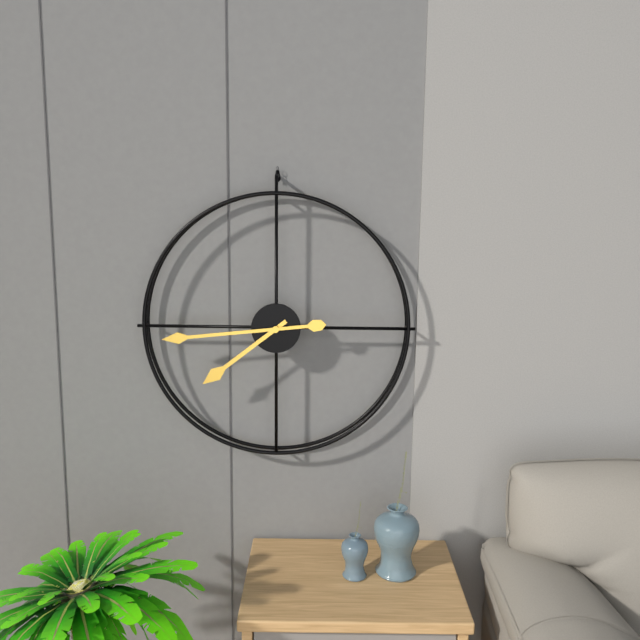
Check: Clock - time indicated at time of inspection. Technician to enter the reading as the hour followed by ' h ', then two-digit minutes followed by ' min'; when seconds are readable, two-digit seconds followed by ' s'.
7 h 44 min
